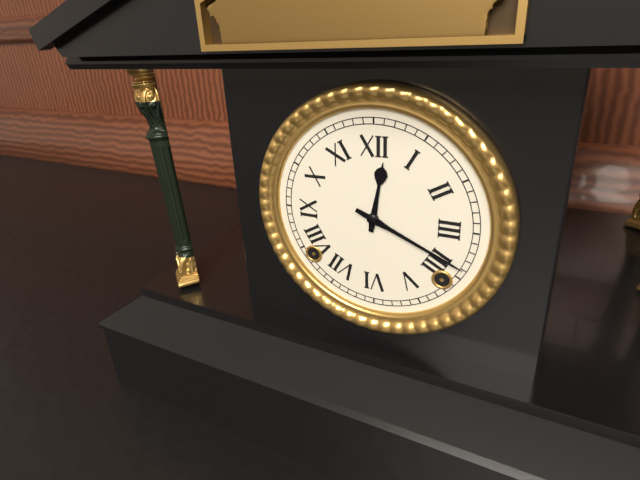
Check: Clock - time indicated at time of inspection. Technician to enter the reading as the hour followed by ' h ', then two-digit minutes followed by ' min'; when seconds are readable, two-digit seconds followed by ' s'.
12 h 19 min
